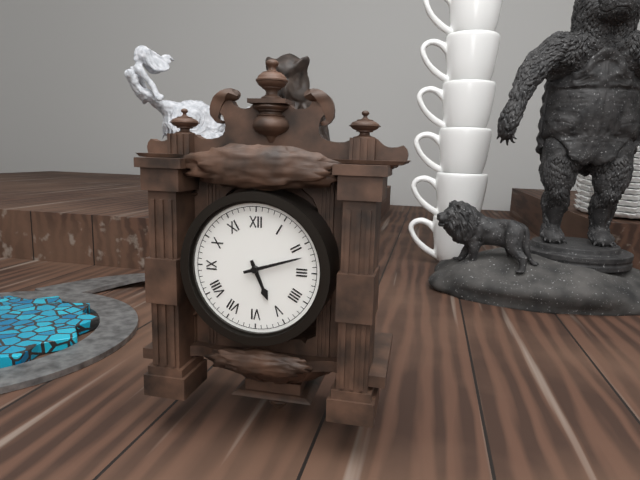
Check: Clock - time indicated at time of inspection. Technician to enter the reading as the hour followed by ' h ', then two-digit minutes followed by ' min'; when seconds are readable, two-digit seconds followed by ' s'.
5 h 12 min
